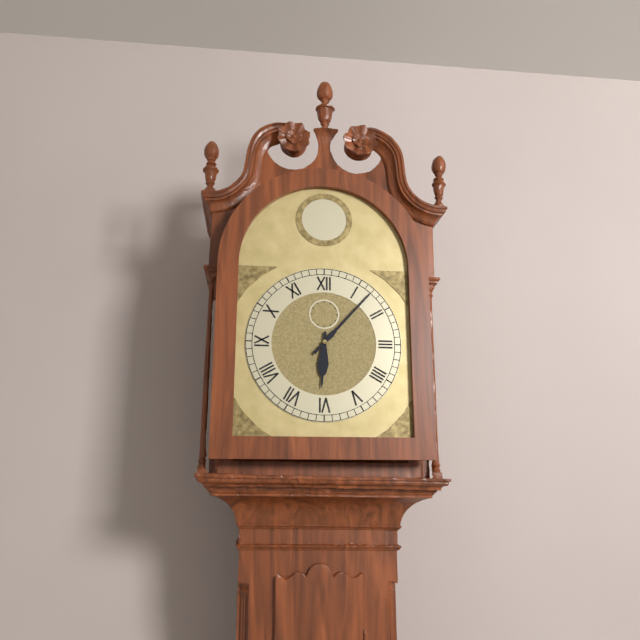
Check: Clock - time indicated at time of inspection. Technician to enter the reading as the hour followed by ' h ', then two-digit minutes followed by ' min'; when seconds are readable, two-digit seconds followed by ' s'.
6 h 07 min
